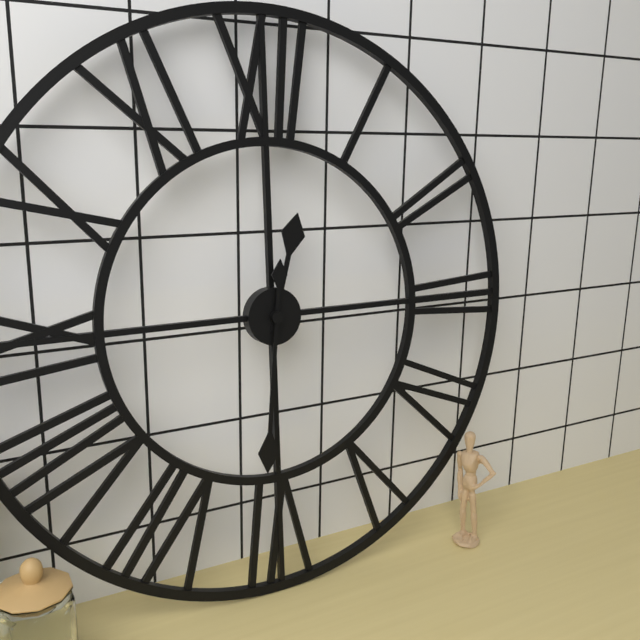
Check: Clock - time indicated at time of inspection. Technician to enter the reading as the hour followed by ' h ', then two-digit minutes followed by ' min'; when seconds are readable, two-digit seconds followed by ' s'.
12 h 31 min
